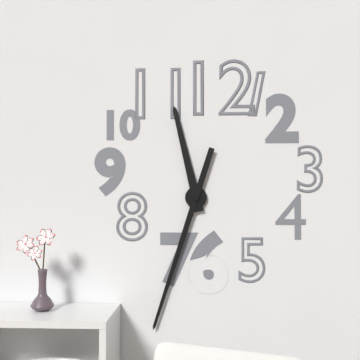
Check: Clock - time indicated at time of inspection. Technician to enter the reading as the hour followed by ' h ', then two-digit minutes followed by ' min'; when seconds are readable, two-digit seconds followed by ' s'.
11 h 33 min
